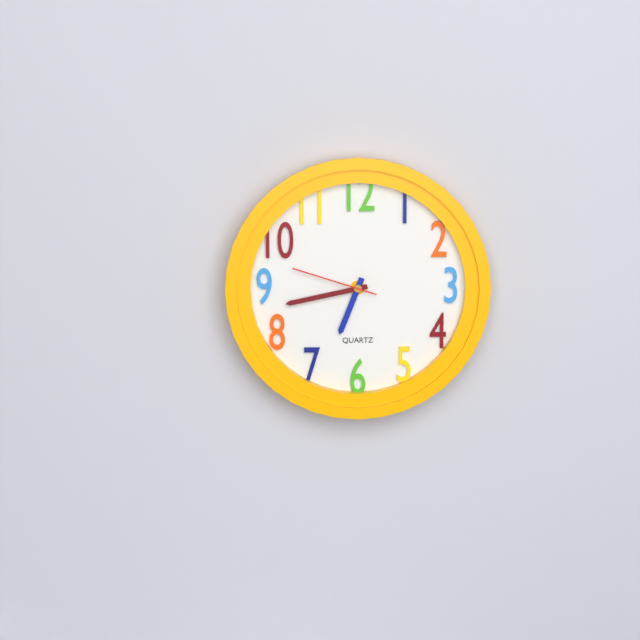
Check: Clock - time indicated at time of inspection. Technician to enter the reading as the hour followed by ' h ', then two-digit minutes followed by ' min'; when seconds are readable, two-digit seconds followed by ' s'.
6 h 43 min 48 s
